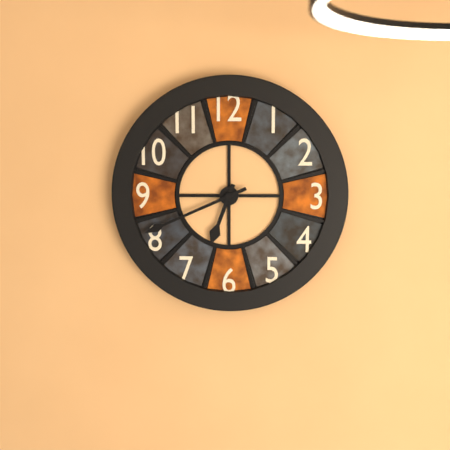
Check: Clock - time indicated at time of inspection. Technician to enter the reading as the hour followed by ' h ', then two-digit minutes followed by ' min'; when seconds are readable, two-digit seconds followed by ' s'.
6 h 41 min
